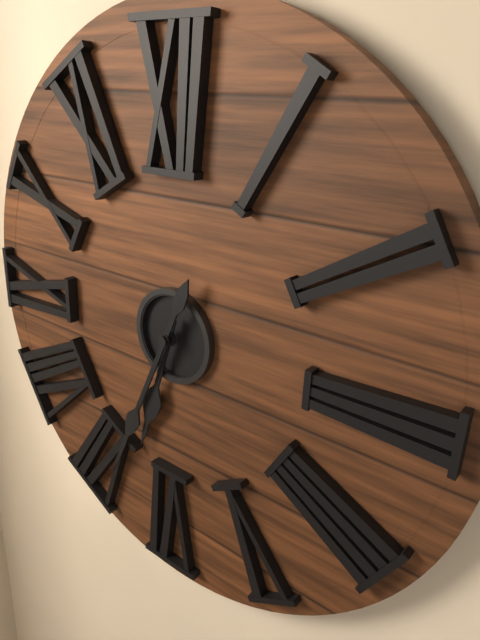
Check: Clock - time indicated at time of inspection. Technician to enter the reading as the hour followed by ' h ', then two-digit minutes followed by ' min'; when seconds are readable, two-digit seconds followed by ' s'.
6 h 34 min
